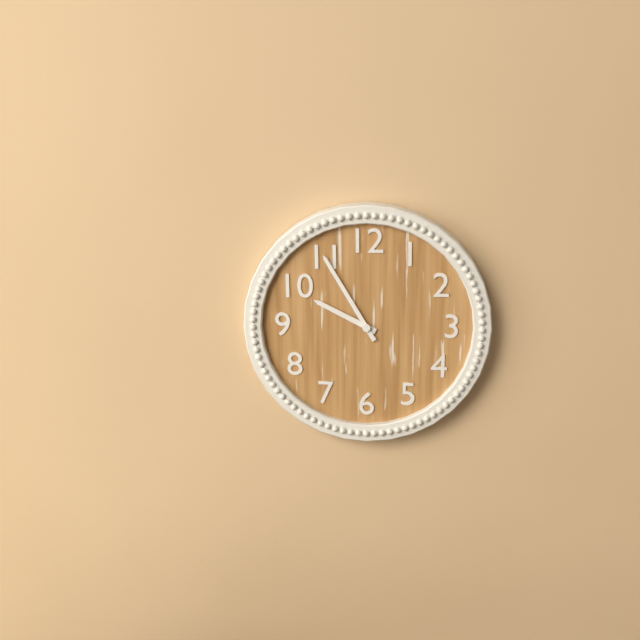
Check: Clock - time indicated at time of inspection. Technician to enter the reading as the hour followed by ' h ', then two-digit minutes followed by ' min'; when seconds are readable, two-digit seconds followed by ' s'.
9 h 55 min
